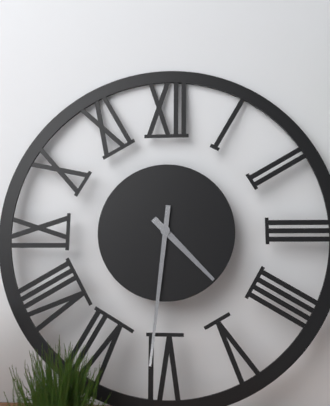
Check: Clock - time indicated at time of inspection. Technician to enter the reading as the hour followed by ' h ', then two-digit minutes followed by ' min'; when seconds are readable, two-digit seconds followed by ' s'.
4 h 31 min
